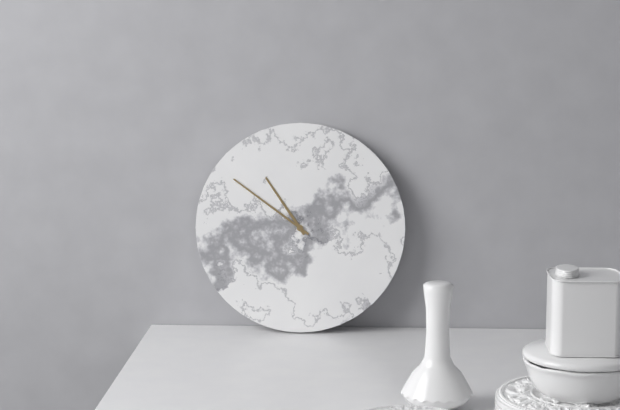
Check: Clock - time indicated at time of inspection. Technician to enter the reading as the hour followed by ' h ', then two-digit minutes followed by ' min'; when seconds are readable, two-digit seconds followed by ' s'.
10 h 51 min
